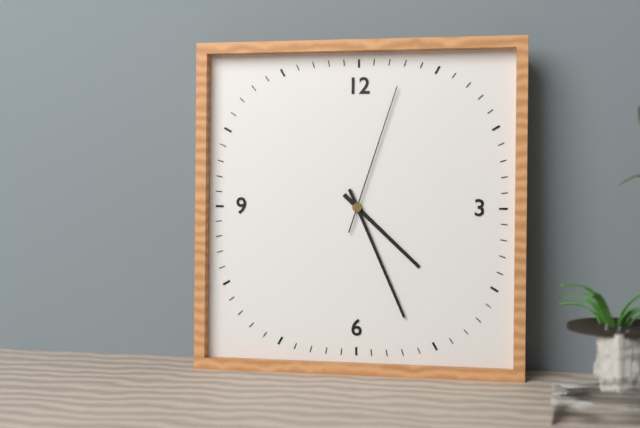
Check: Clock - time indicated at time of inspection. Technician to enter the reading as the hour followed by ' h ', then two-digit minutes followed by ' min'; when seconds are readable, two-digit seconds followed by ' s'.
4 h 26 min 03 s
